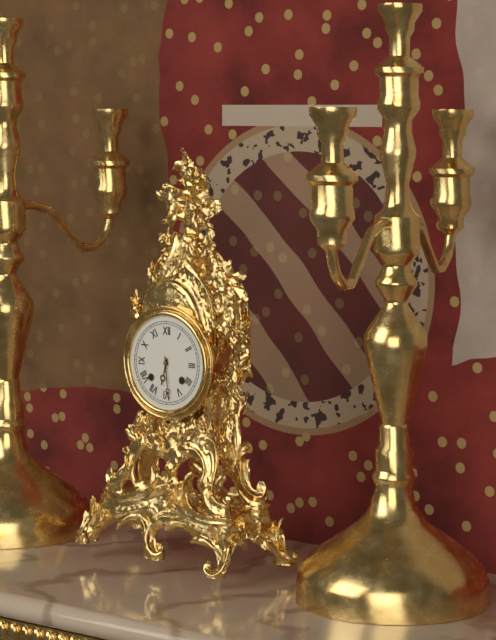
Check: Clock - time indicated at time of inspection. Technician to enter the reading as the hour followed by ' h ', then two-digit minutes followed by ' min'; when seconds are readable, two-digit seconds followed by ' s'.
6 h 29 min
